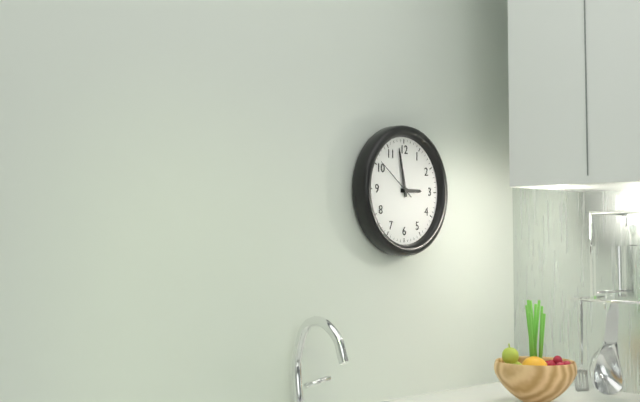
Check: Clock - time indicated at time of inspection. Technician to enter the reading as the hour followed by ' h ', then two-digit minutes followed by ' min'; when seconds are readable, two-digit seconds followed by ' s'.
2 h 58 min
